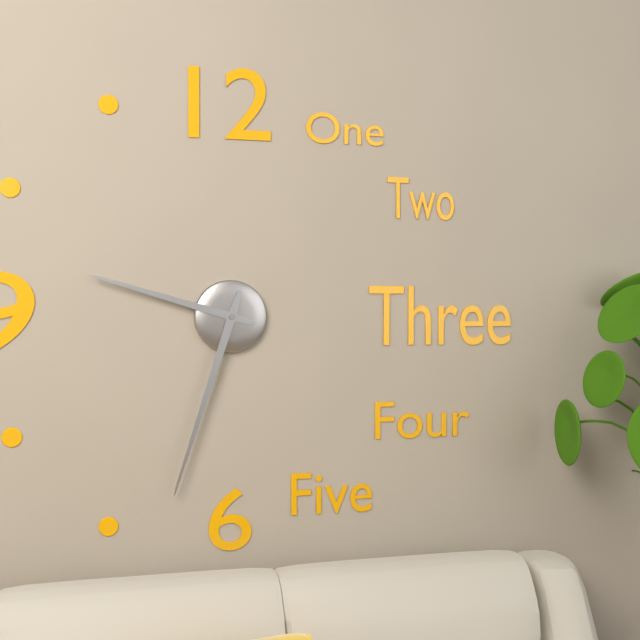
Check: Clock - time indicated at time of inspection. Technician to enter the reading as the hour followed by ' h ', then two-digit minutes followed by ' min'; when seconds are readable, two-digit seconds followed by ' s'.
9 h 33 min
